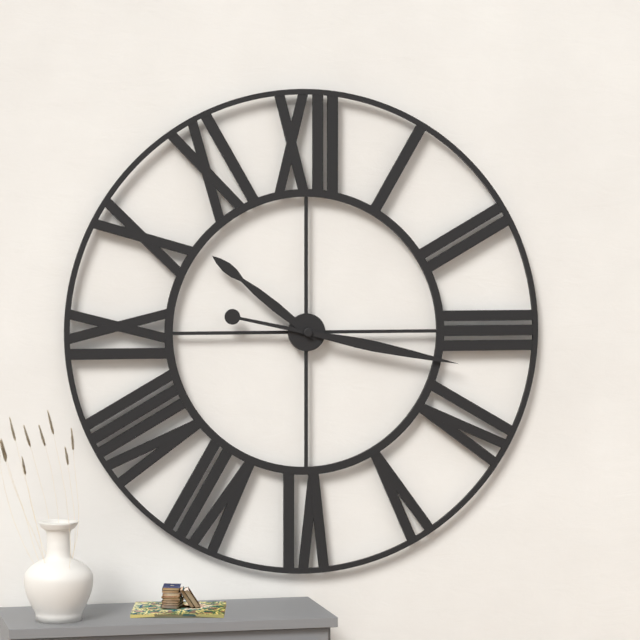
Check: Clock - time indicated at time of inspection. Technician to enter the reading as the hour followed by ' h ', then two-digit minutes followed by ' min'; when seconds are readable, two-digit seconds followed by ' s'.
10 h 17 min
